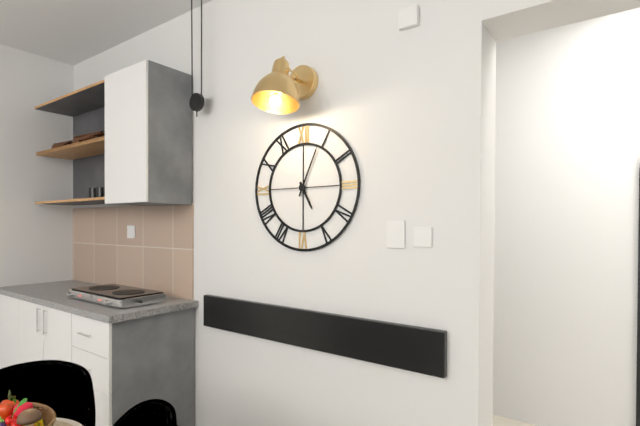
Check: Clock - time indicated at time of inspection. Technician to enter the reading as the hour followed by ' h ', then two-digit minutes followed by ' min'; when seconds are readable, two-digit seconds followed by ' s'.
5 h 04 min
